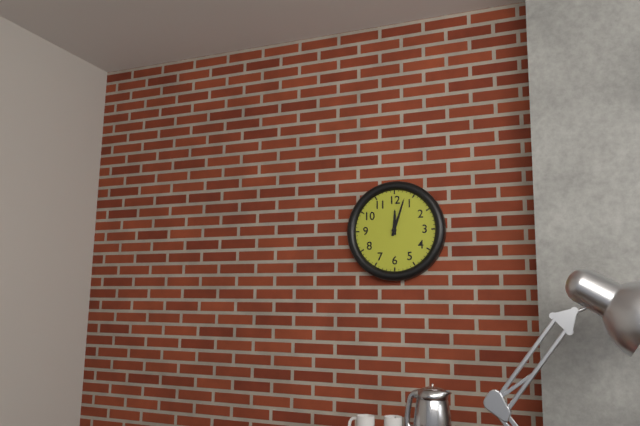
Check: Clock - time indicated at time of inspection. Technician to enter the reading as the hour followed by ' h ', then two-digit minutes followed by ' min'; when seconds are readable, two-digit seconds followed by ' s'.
12 h 03 min
